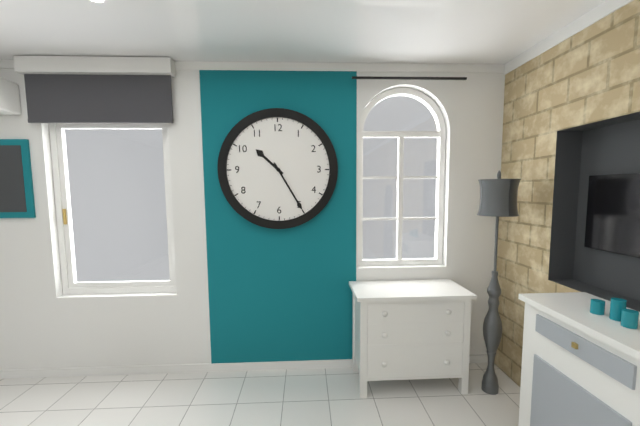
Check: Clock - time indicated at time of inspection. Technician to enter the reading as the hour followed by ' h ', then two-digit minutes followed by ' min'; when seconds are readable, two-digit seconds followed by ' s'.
10 h 25 min
